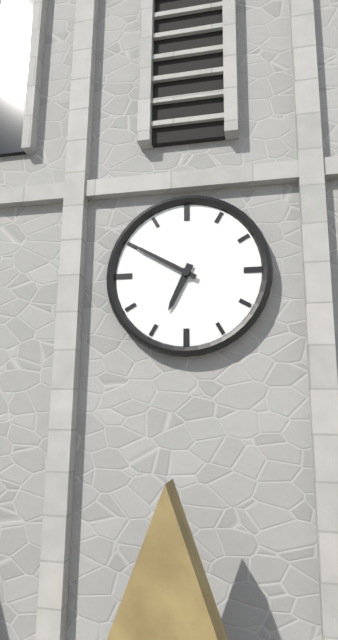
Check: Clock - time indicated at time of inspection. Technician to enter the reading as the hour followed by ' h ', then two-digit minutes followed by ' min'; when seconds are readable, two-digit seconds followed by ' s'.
6 h 50 min
